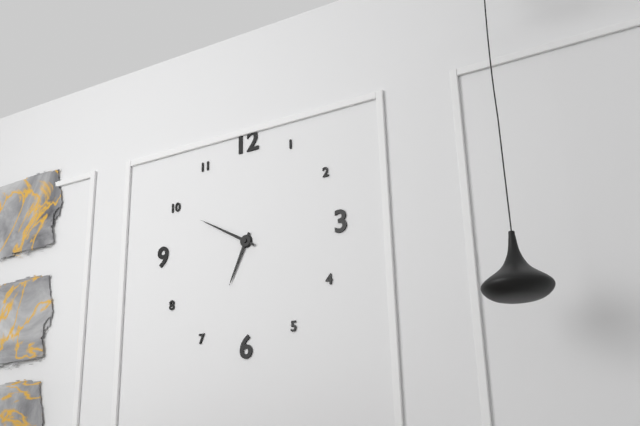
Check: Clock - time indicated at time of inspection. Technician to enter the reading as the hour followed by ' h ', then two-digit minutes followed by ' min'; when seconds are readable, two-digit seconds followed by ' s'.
6 h 50 min
